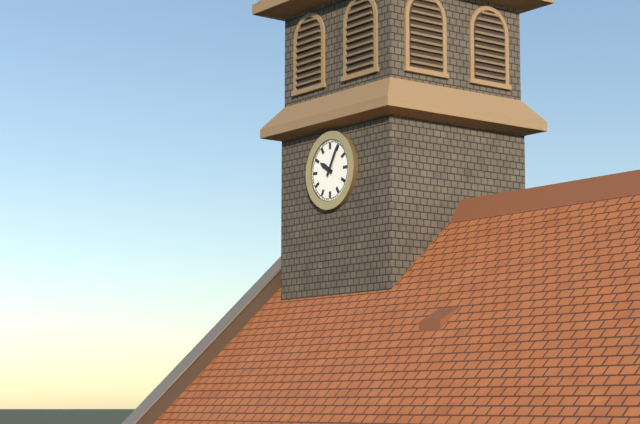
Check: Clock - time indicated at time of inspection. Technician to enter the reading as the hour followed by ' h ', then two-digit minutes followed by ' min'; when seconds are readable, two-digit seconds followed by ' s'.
10 h 05 min
